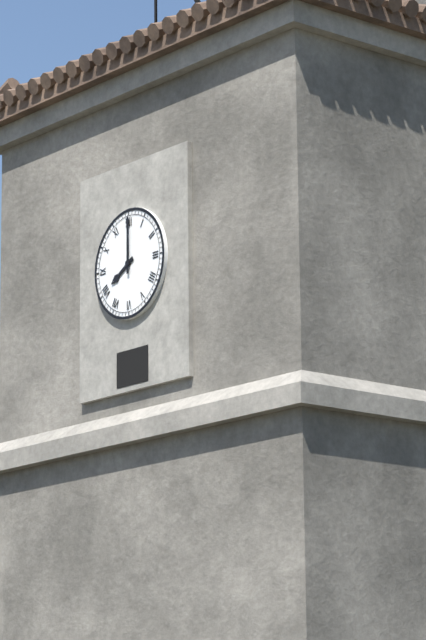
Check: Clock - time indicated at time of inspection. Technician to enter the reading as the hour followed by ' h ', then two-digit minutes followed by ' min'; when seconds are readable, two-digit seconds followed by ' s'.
8 h 00 min
